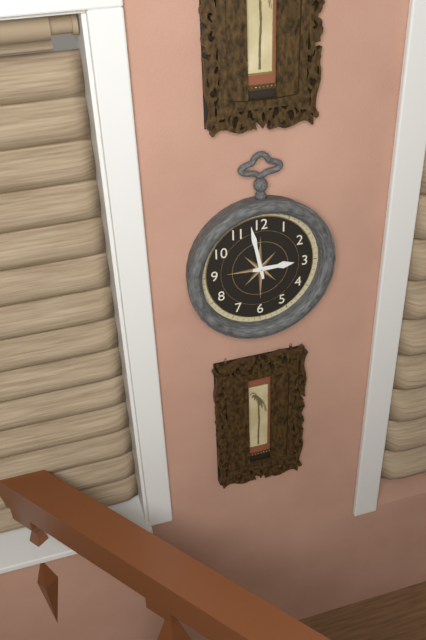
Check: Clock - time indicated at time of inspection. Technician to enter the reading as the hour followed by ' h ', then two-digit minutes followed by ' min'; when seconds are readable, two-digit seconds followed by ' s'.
2 h 58 min
